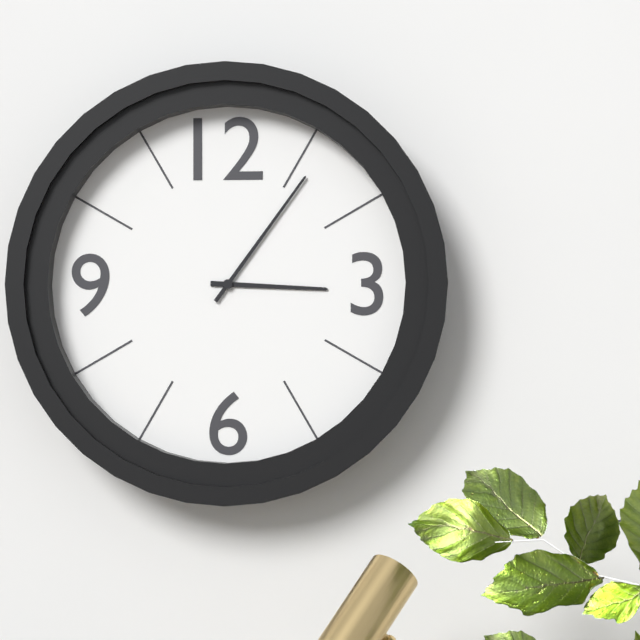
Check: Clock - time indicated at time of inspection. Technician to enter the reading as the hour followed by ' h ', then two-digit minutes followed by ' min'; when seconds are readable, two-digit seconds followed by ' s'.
3 h 06 min
